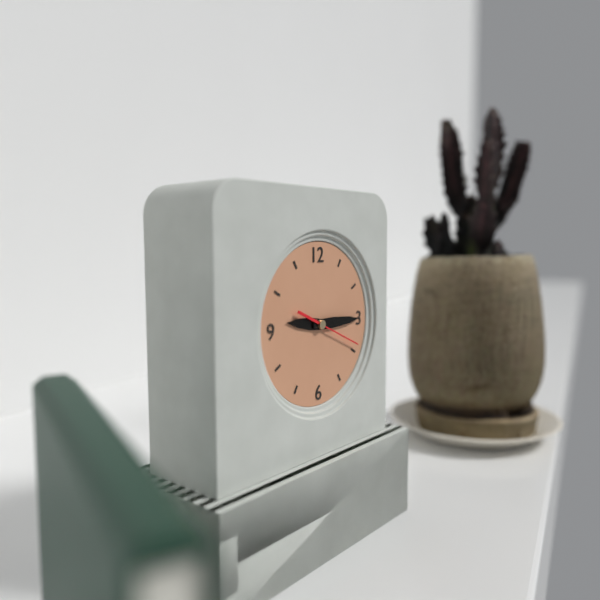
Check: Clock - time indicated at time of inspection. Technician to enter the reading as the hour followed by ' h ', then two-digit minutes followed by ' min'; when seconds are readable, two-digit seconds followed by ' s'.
9 h 15 min 19 s
